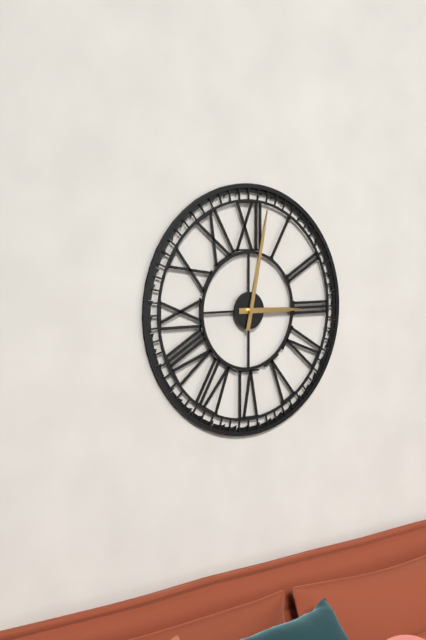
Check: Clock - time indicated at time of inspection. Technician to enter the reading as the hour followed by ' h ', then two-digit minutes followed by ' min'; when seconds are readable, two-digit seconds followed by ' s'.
3 h 02 min
